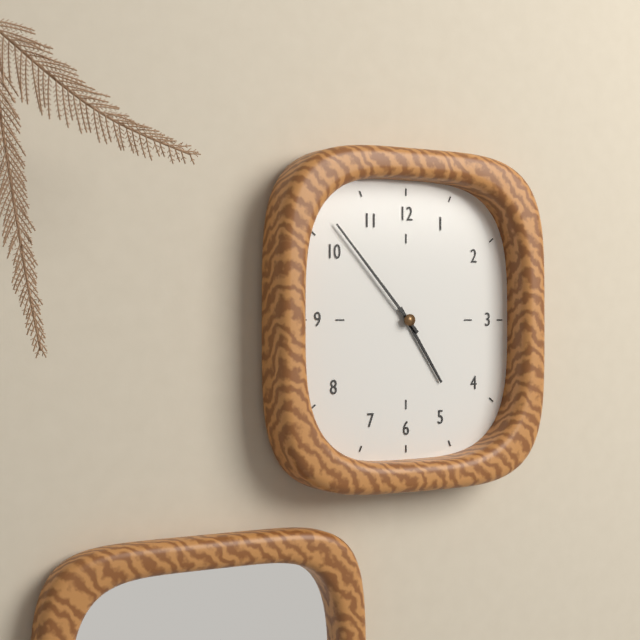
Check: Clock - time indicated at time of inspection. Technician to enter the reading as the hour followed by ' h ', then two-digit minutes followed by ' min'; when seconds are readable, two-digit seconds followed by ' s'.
4 h 53 min
